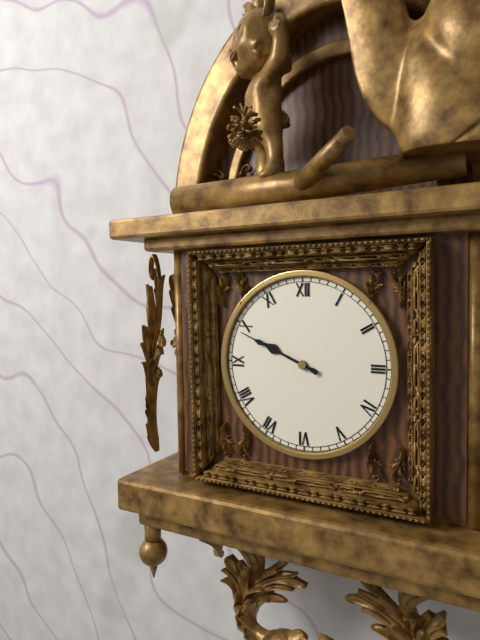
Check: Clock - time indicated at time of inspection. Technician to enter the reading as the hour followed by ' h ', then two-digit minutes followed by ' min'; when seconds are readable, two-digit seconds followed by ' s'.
9 h 49 min
